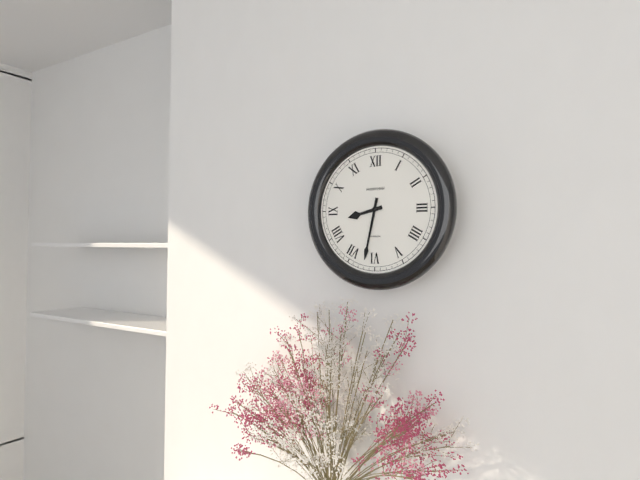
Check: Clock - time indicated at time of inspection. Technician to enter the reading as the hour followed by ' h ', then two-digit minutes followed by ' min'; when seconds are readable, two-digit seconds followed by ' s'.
8 h 32 min
